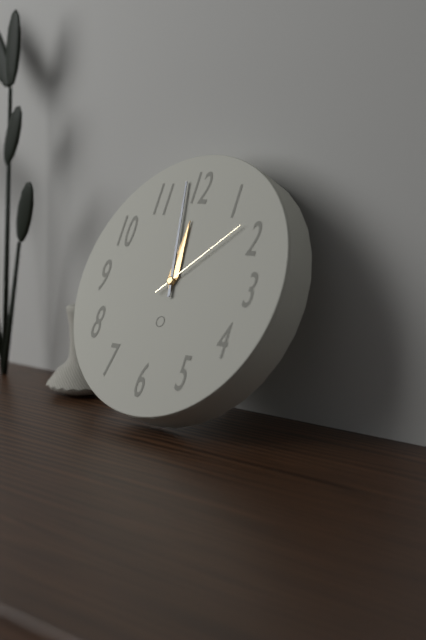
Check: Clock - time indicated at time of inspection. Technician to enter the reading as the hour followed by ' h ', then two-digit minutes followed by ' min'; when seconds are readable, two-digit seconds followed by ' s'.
11 h 58 min 08 s
